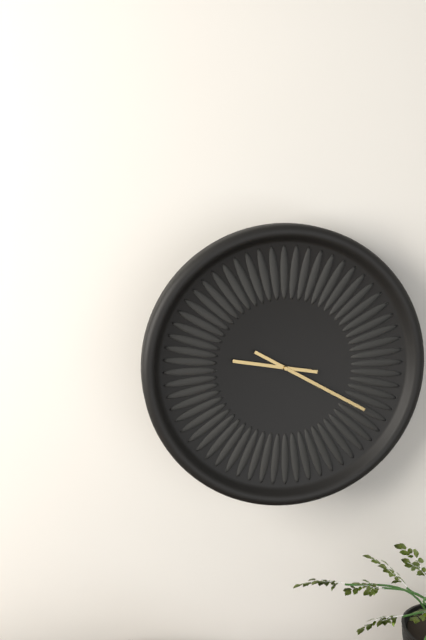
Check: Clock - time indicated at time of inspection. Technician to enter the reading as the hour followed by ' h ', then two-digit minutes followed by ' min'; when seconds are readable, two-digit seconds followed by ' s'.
9 h 20 min
